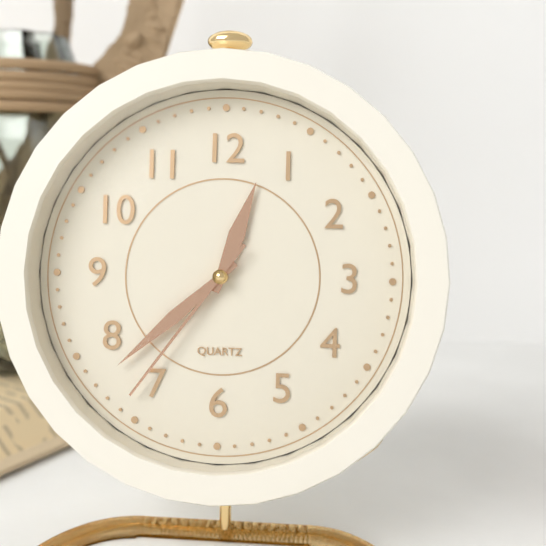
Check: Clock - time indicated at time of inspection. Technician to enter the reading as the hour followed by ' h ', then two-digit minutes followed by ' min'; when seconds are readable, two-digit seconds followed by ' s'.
12 h 38 min 36 s
